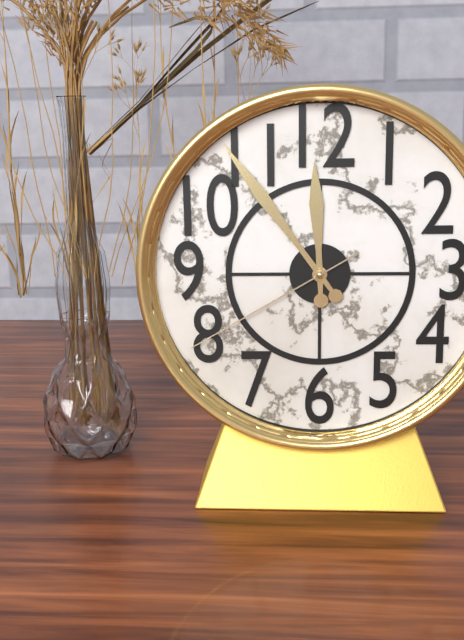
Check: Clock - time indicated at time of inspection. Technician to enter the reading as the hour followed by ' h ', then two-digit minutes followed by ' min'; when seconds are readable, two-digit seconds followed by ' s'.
11 h 54 min 40 s
